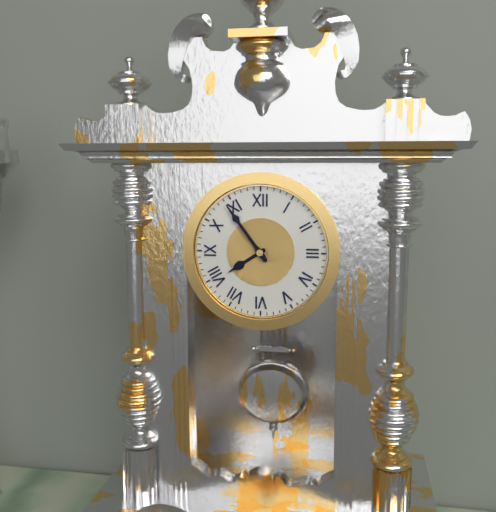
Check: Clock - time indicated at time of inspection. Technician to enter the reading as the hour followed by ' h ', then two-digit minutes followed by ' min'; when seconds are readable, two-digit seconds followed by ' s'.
7 h 54 min
